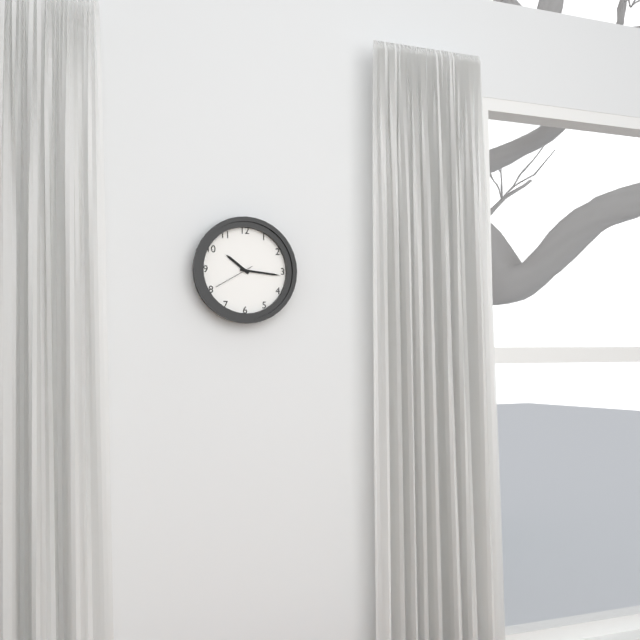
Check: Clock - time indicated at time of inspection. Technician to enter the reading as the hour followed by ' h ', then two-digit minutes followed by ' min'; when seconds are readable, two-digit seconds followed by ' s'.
10 h 16 min
